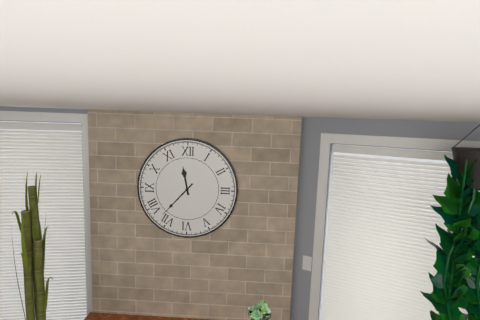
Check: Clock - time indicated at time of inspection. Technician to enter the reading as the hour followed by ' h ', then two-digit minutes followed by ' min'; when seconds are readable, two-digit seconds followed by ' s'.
11 h 37 min
